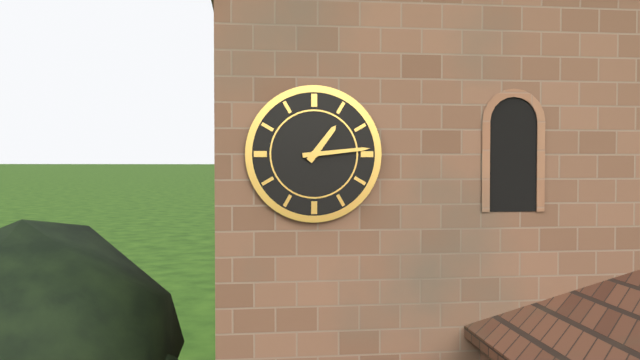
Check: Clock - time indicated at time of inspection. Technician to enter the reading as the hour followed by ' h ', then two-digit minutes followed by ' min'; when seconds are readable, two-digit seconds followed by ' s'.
1 h 14 min
